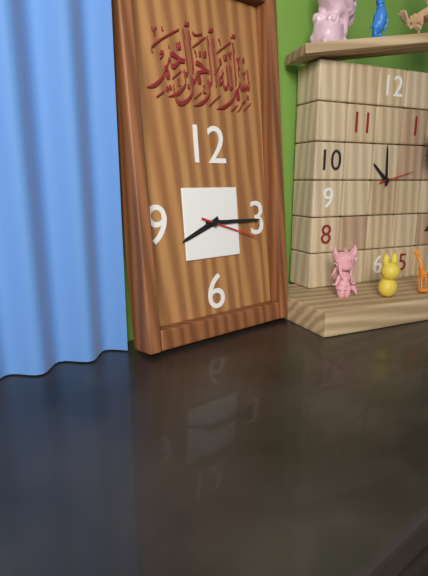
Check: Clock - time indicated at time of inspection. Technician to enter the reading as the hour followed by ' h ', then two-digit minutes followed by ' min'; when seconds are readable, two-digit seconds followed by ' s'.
8 h 15 min 18 s
